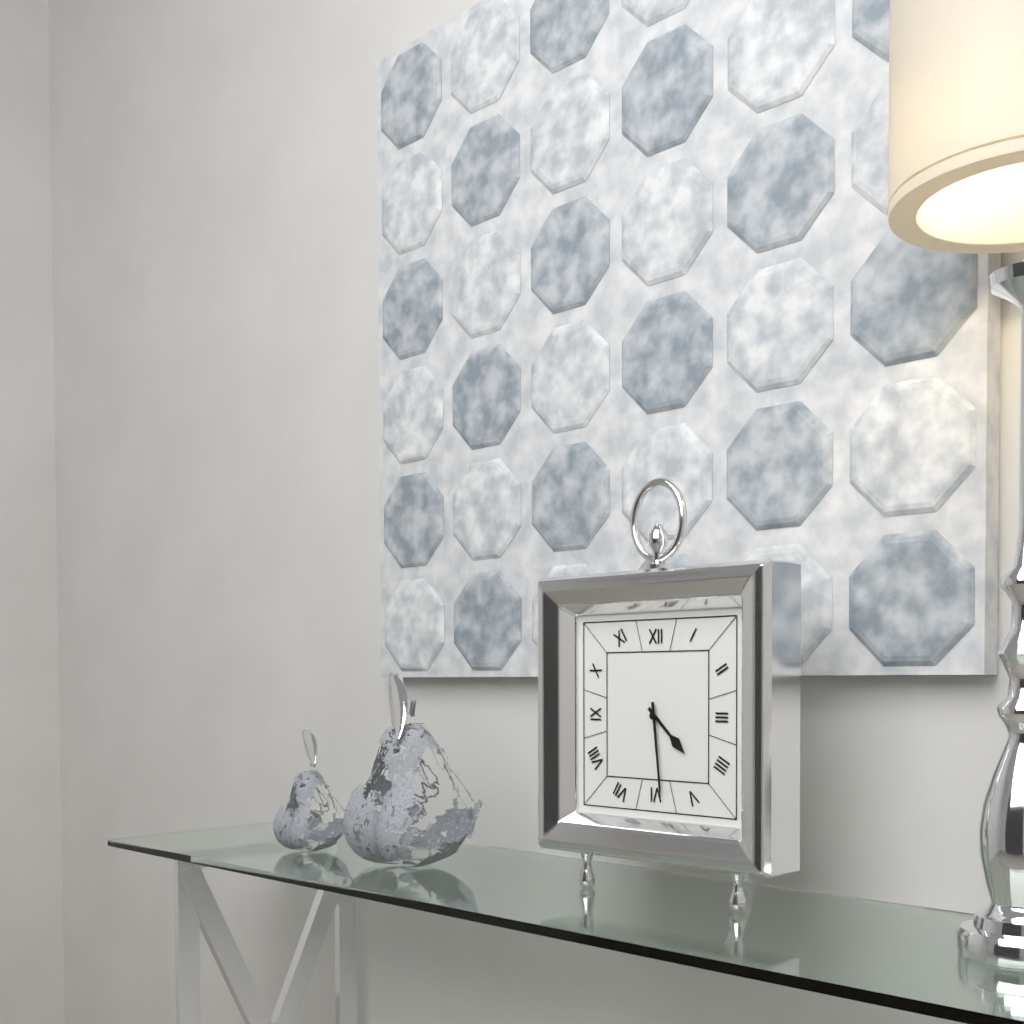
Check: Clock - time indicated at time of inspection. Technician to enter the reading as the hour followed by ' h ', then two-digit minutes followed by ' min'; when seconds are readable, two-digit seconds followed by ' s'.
4 h 29 min
